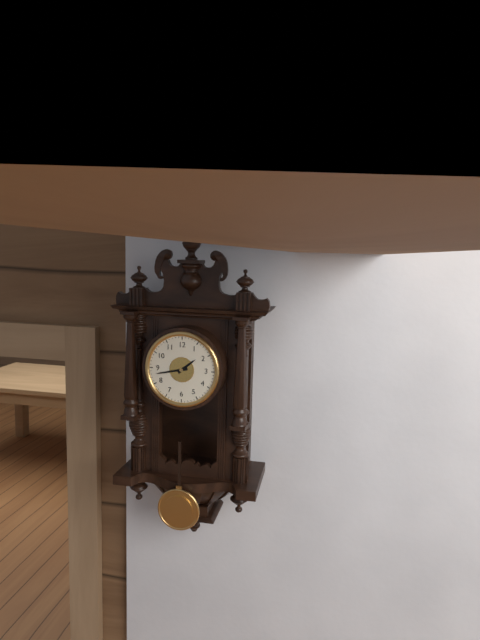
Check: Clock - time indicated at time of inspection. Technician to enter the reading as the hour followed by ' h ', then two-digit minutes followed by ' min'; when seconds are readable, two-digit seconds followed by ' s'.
1 h 43 min
